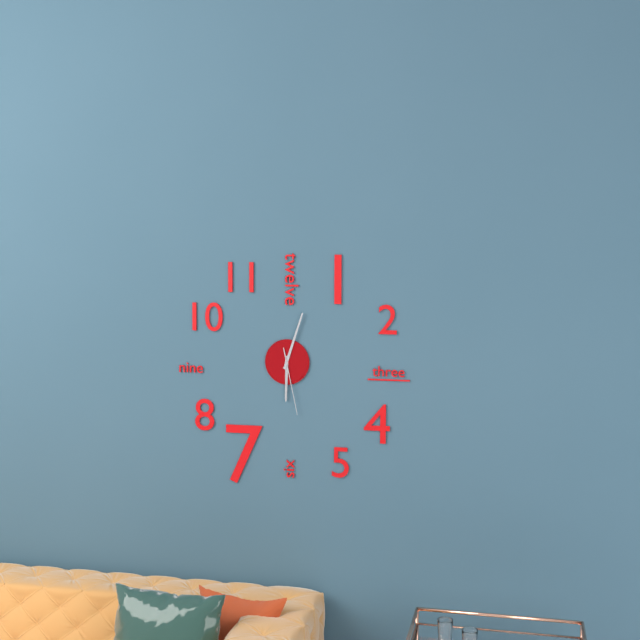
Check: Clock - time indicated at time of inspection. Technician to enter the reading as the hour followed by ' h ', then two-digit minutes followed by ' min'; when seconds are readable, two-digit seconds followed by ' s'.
6 h 03 min 28 s
